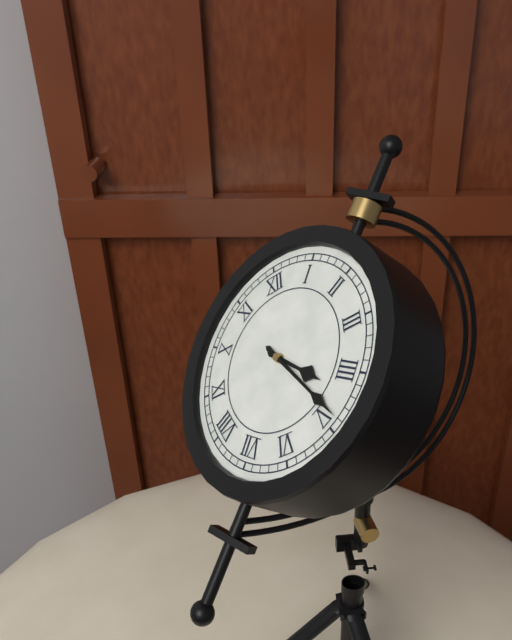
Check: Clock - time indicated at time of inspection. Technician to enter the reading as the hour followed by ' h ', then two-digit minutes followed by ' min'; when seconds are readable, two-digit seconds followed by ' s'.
4 h 24 min
